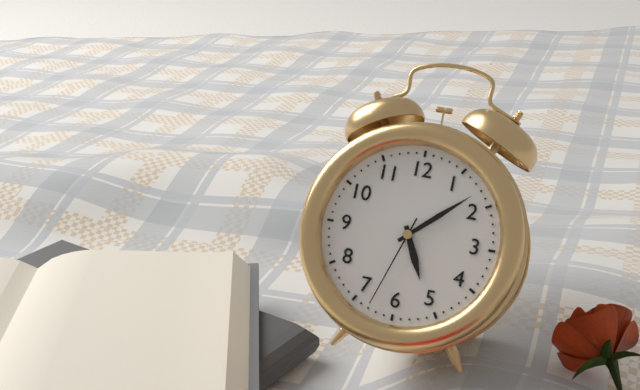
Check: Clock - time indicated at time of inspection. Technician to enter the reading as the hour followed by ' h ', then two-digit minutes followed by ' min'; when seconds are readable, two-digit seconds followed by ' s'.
5 h 08 min 33 s
